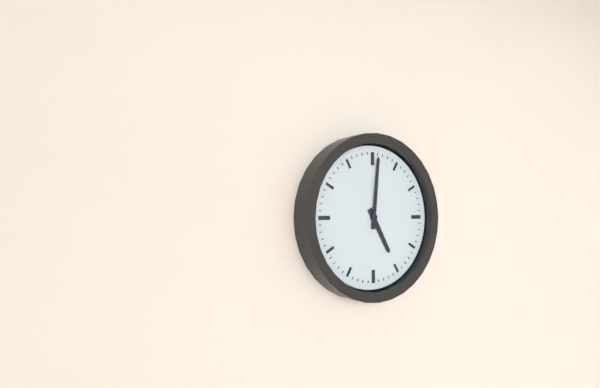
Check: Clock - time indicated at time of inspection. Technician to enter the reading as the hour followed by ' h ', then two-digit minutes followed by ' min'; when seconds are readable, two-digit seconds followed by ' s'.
5 h 01 min
